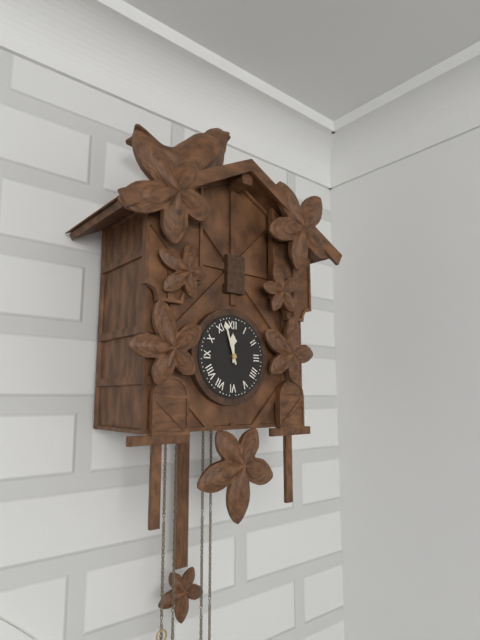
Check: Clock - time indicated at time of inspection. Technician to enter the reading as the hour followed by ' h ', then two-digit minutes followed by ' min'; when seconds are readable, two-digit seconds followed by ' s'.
11 h 57 min
